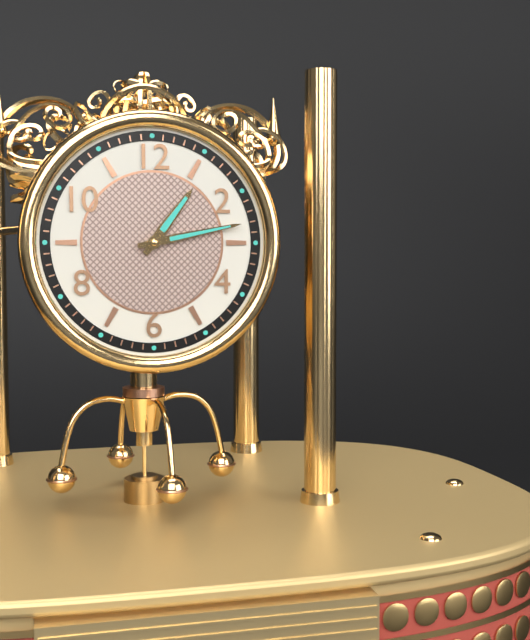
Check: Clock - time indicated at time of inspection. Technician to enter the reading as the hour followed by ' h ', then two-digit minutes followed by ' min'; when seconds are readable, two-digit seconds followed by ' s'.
1 h 13 min
